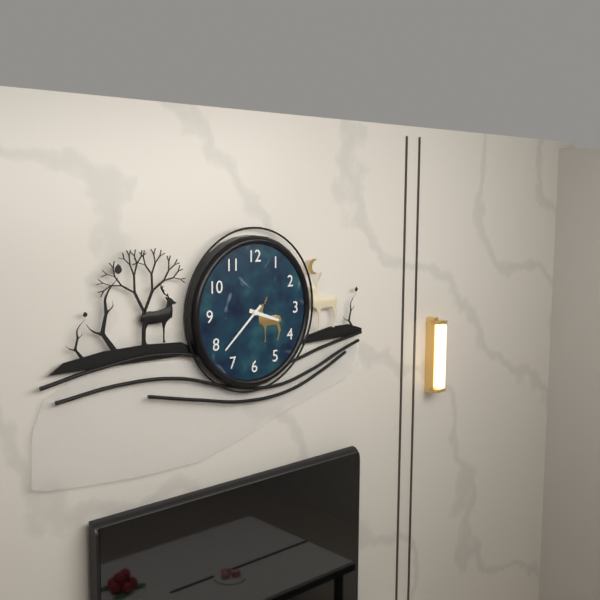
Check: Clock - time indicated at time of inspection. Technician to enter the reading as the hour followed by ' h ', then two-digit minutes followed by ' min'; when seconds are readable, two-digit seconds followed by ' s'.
3 h 38 min
